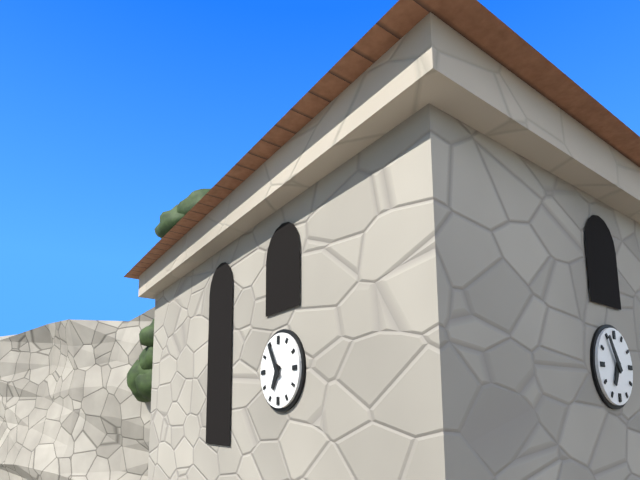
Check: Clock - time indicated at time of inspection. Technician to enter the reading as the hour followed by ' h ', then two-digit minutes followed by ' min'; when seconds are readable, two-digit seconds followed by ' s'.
6 h 55 min
